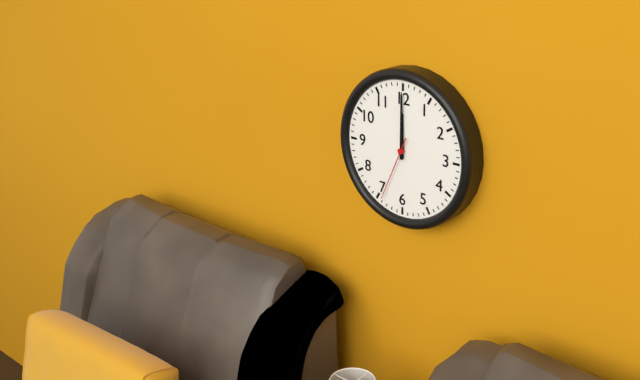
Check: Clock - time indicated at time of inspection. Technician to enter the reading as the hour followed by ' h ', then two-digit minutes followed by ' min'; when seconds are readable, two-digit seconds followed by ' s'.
12 h 00 min 34 s
